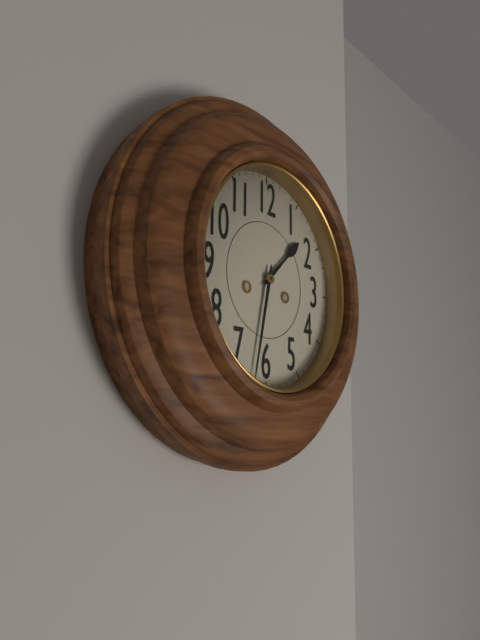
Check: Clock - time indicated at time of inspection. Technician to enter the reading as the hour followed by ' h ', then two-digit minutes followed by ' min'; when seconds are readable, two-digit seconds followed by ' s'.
1 h 32 min
